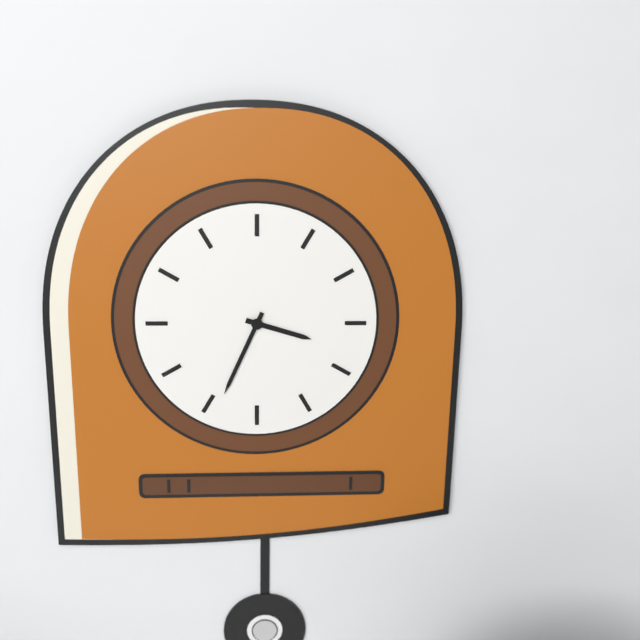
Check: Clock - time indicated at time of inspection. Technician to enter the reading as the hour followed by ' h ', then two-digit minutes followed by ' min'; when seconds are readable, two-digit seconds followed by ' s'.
3 h 34 min
